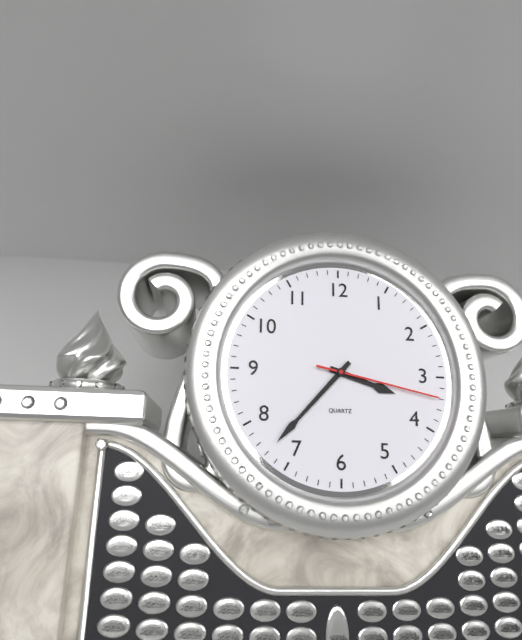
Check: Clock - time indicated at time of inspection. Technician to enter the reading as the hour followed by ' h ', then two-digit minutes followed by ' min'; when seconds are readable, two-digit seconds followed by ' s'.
3 h 37 min 17 s
